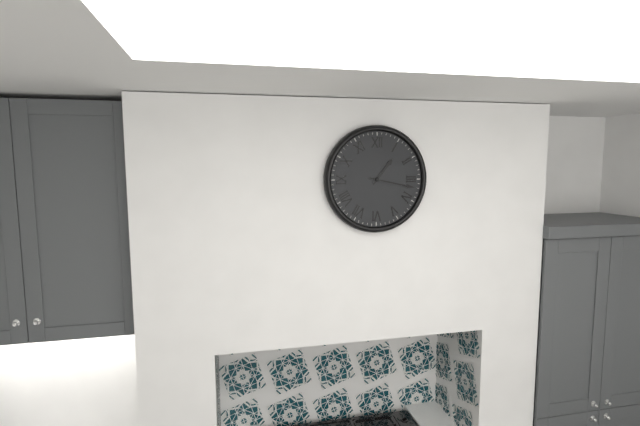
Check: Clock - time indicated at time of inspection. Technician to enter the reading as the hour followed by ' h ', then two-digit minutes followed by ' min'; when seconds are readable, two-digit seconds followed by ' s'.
1 h 17 min
